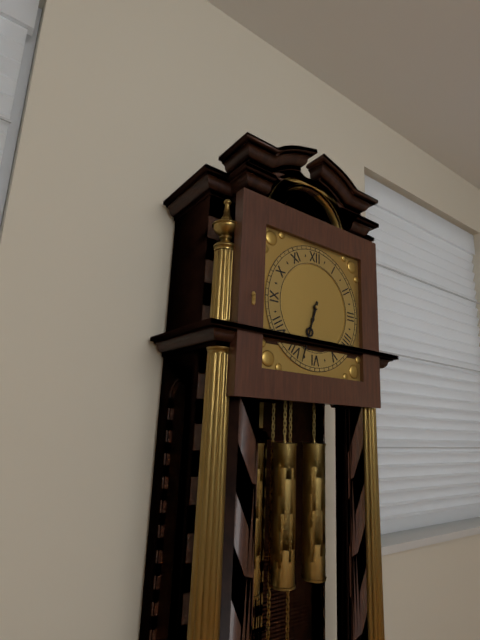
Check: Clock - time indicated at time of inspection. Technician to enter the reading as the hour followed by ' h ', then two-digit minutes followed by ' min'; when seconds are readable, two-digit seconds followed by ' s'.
6 h 33 min
